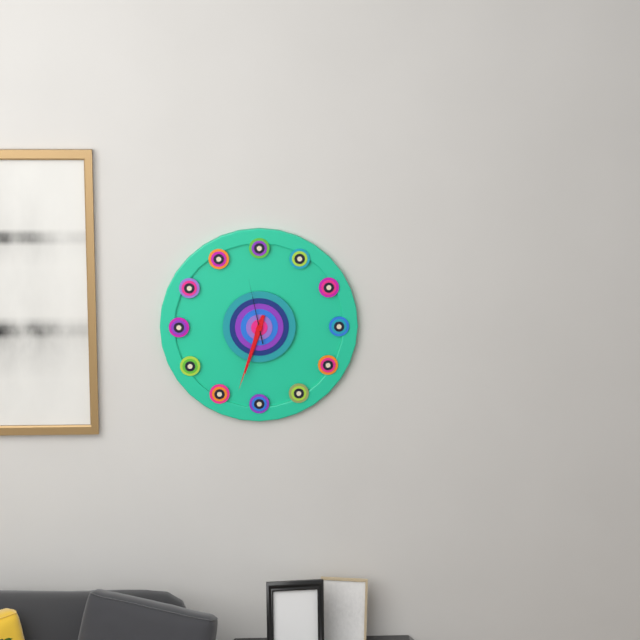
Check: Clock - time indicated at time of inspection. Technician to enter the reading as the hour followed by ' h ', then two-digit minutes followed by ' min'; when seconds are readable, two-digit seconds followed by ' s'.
6 h 33 min 58 s
